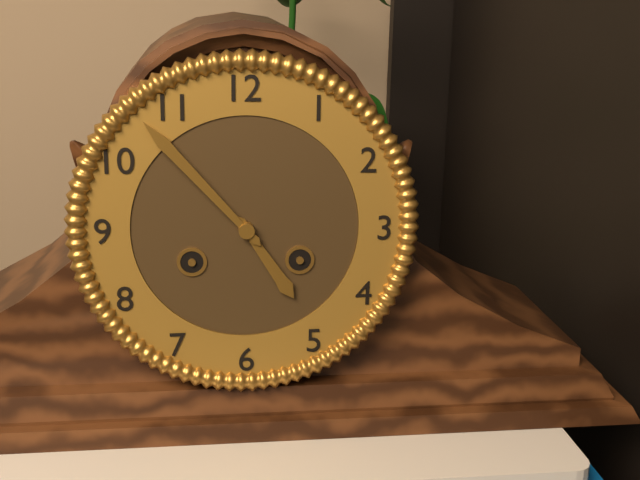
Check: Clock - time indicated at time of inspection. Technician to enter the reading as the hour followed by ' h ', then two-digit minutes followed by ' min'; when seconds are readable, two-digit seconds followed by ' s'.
4 h 53 min
